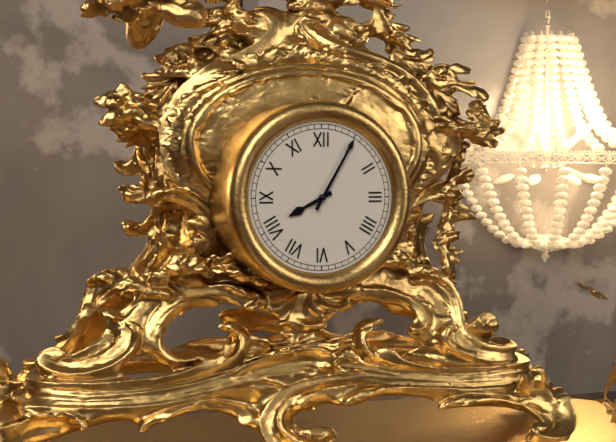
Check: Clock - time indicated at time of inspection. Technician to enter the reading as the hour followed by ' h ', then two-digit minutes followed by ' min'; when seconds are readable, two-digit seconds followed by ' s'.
8 h 05 min
